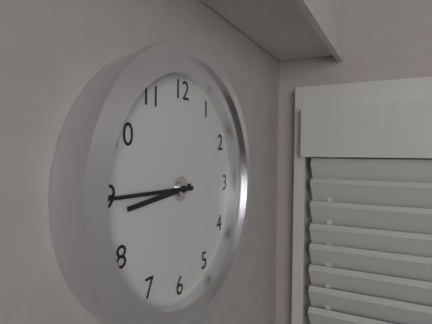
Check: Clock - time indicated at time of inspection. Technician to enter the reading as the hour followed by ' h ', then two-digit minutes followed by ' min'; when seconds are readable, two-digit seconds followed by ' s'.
8 h 45 min
